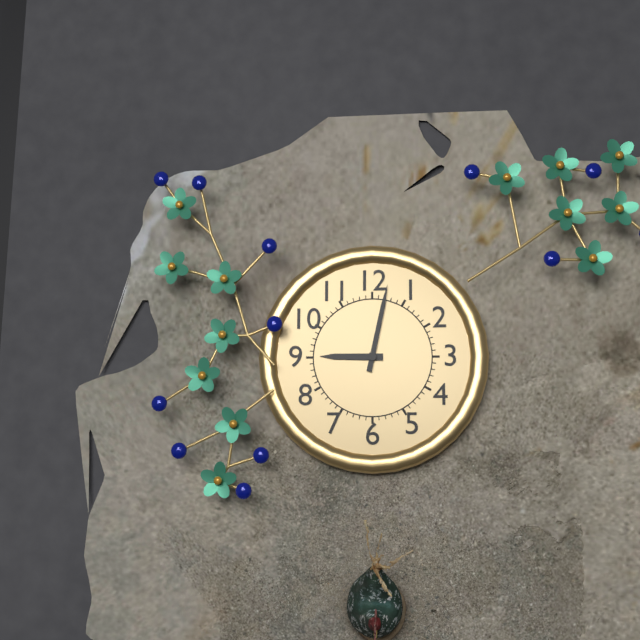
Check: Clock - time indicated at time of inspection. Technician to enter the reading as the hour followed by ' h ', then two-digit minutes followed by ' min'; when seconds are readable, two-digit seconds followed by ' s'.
9 h 02 min
